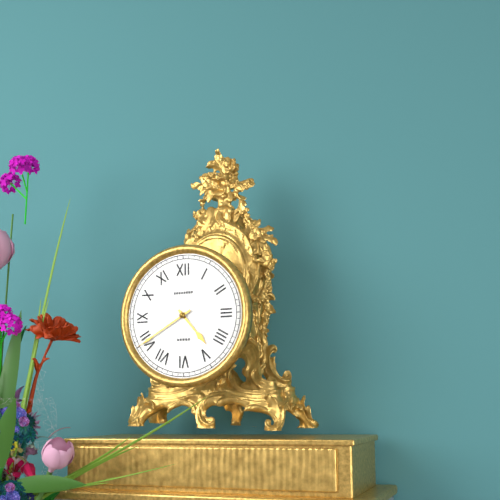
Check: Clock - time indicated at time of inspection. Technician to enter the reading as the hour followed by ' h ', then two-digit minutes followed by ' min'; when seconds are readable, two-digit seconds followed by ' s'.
4 h 40 min
